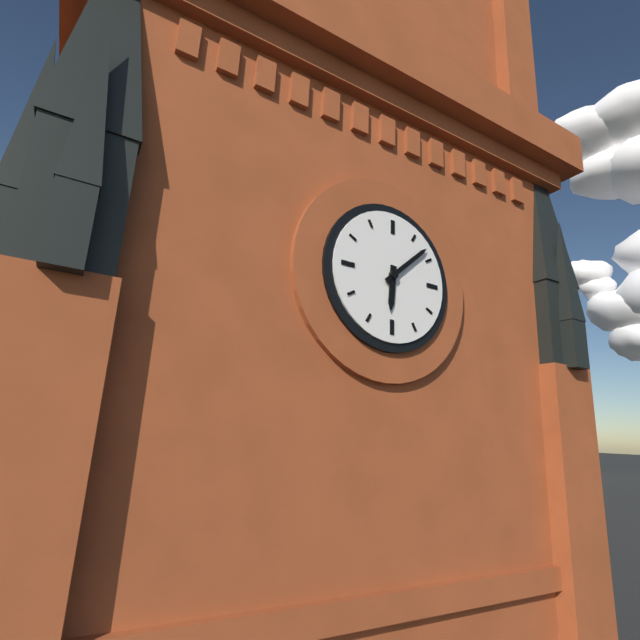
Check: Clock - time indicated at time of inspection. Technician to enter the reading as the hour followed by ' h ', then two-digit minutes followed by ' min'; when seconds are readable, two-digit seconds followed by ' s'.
6 h 08 min
